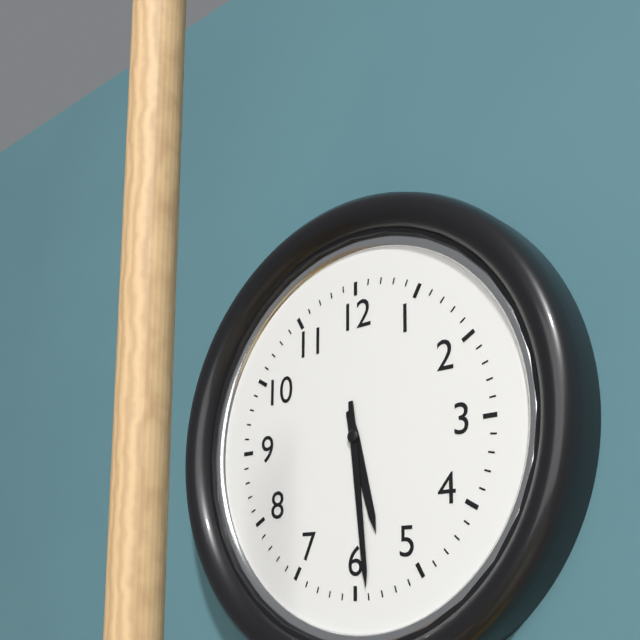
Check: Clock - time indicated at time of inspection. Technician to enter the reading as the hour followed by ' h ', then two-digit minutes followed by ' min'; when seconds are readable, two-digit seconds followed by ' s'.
5 h 29 min
